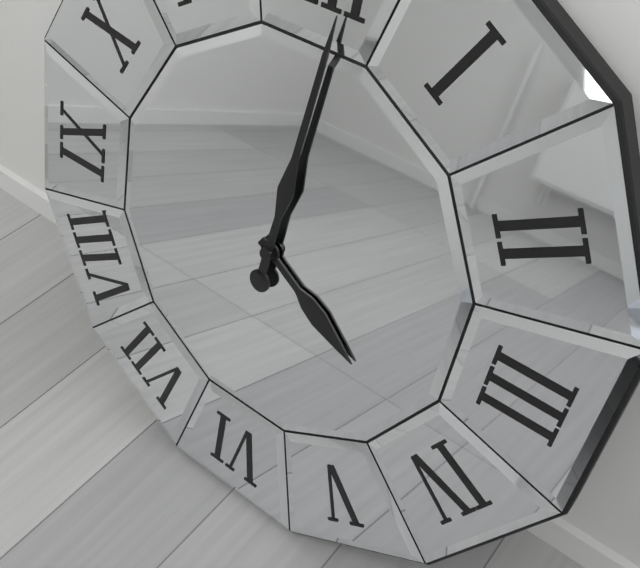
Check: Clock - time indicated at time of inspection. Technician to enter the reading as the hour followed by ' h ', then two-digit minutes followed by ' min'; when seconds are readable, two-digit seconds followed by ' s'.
4 h 01 min
